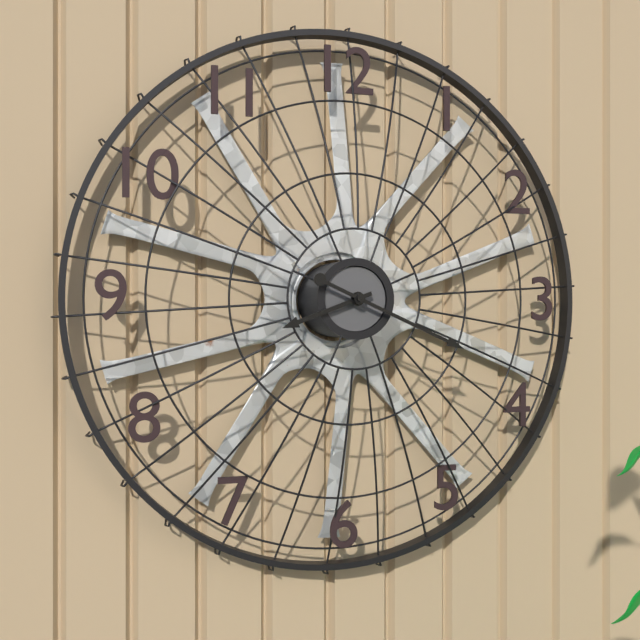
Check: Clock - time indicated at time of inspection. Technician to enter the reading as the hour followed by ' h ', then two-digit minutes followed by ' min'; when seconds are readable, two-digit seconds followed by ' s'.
8 h 19 min
